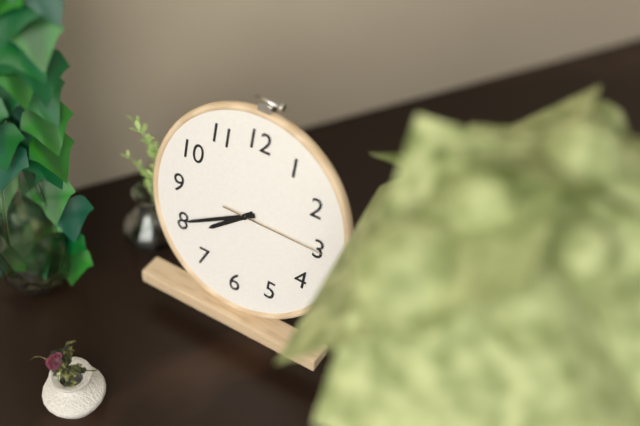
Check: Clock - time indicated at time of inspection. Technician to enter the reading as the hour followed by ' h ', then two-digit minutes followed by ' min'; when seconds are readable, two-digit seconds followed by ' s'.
7 h 40 min 15 s
